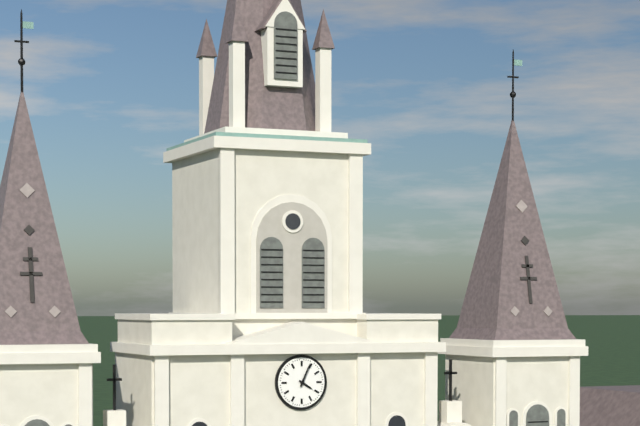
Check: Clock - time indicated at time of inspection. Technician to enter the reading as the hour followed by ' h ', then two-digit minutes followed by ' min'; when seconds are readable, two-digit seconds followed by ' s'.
4 h 04 min
